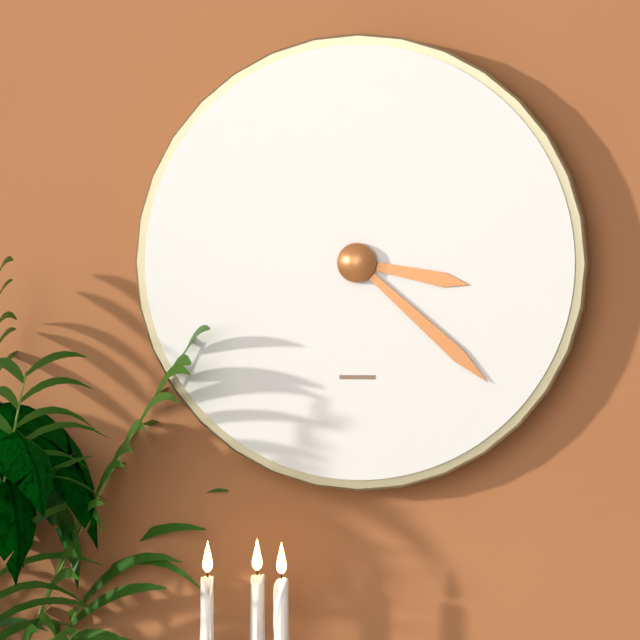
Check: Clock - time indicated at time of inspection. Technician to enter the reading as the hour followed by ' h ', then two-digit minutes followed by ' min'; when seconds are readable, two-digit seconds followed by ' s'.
3 h 22 min
